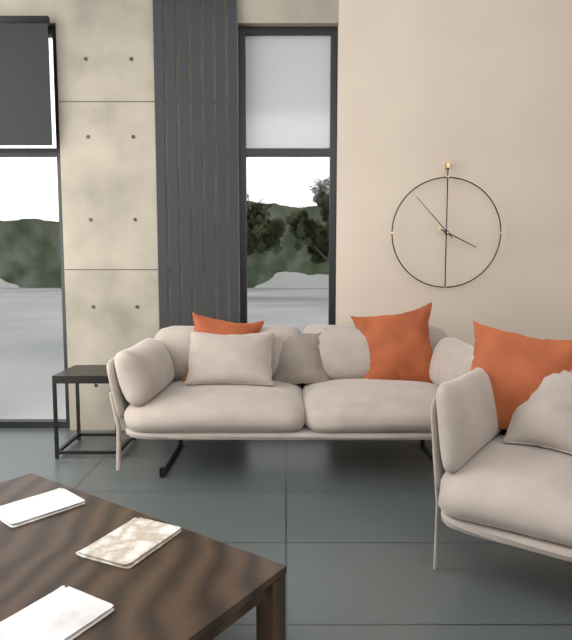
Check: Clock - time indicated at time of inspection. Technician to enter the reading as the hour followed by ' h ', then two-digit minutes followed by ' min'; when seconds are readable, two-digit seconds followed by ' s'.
3 h 53 min
